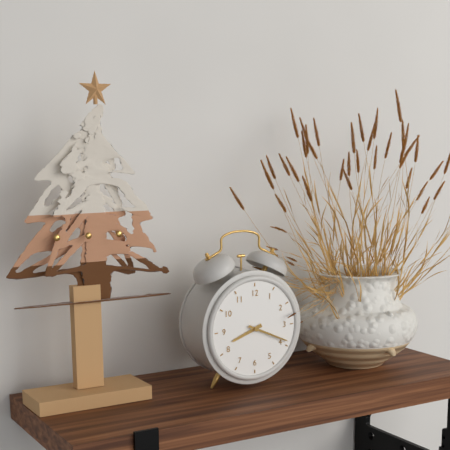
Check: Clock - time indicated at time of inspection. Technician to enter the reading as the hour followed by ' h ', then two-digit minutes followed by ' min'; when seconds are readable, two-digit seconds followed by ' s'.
8 h 19 min
